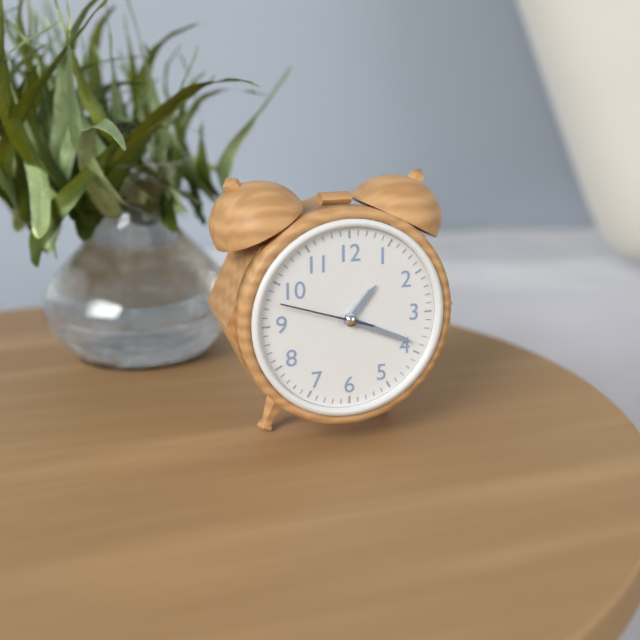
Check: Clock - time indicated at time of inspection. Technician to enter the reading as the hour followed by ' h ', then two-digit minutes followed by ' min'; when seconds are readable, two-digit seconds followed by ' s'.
1 h 19 min 48 s
